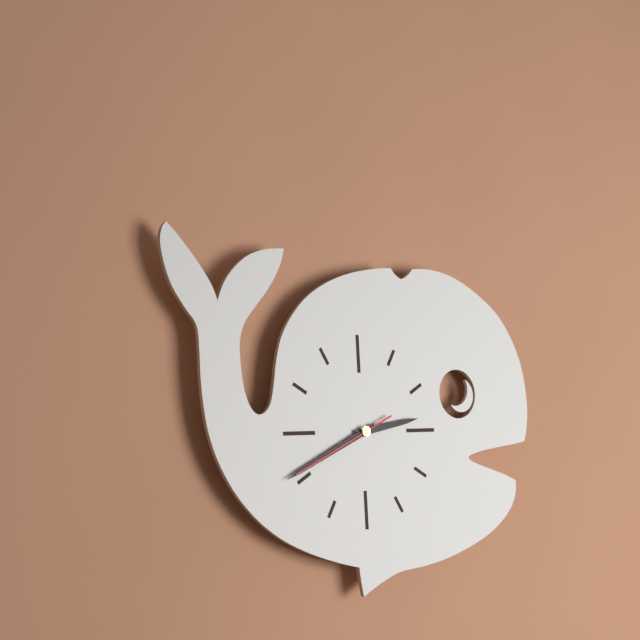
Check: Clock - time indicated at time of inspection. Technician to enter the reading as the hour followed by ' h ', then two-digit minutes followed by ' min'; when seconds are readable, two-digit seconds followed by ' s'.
2 h 41 min 41 s
